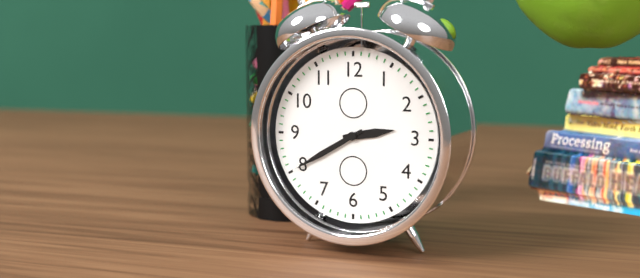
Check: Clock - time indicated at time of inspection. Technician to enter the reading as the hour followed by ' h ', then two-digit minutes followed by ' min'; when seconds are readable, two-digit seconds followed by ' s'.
2 h 40 min
